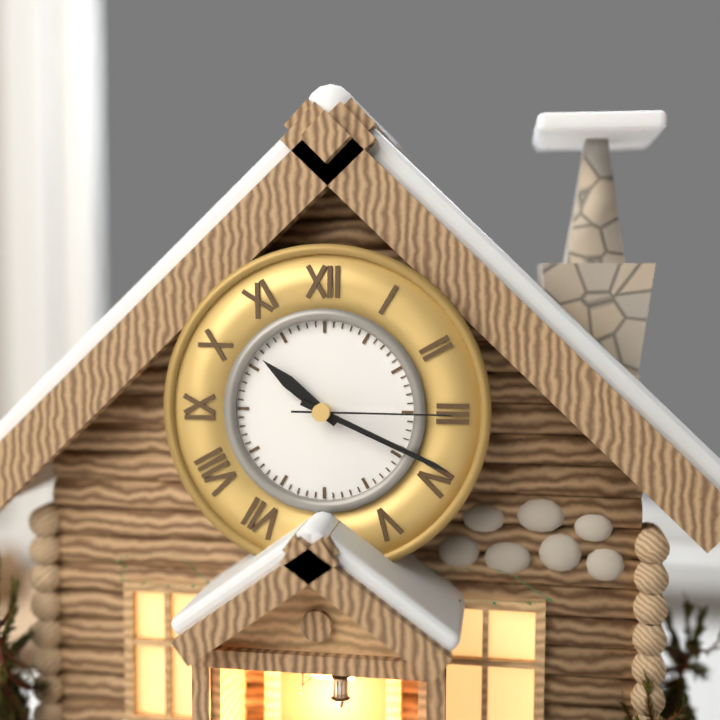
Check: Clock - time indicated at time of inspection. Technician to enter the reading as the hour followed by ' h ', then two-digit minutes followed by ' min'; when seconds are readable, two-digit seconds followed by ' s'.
10 h 19 min 15 s
